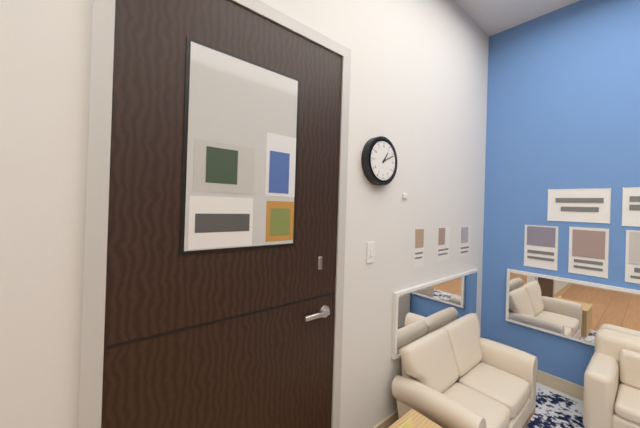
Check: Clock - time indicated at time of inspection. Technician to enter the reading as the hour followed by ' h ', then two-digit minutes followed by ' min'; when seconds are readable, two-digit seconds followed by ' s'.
1 h 11 min
